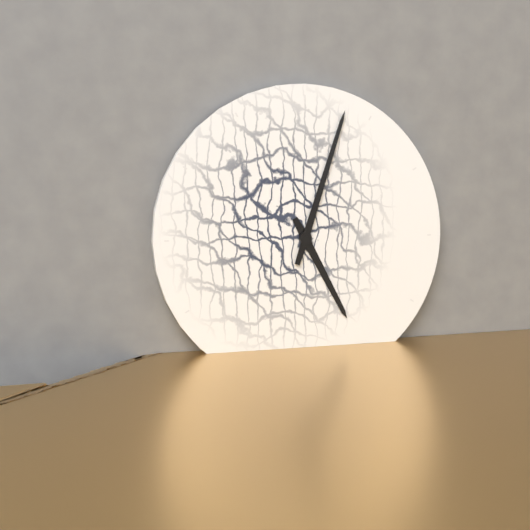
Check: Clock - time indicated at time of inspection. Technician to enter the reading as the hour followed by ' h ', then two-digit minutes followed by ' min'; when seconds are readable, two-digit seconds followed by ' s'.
5 h 03 min
